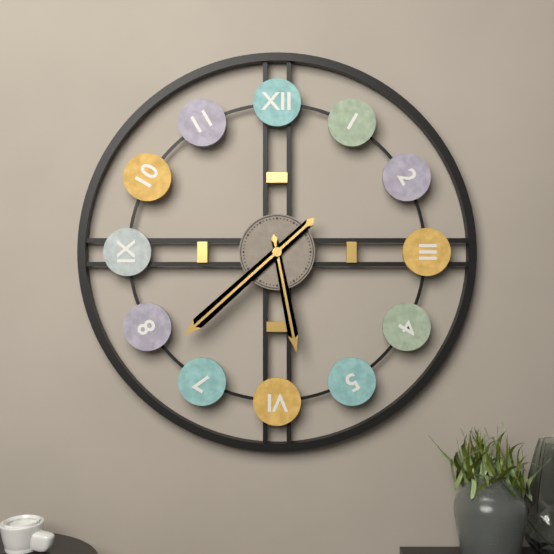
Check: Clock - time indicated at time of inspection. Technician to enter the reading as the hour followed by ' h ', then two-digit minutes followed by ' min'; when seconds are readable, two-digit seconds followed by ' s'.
5 h 38 min
